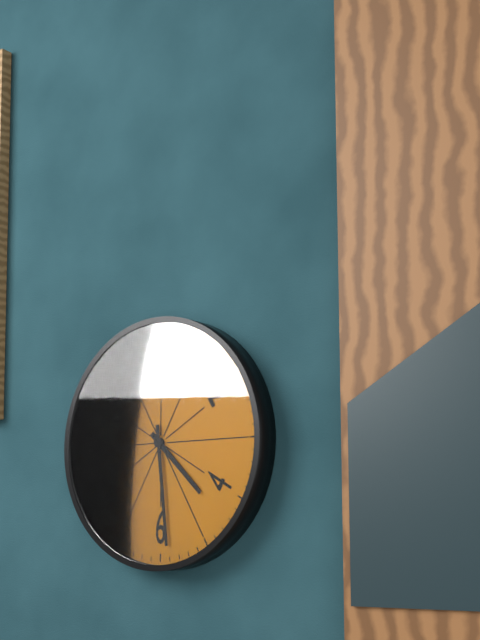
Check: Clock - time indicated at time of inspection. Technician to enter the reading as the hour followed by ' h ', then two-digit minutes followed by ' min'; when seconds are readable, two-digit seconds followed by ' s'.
4 h 29 min
